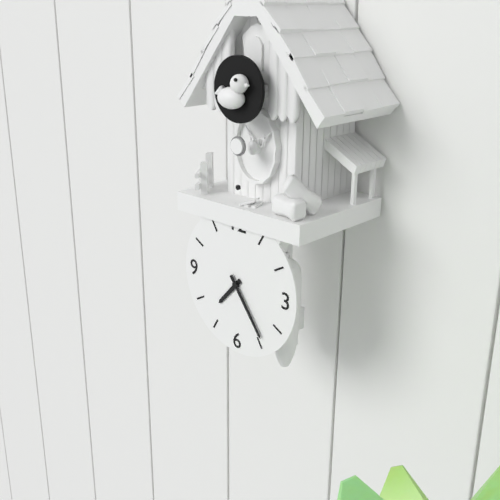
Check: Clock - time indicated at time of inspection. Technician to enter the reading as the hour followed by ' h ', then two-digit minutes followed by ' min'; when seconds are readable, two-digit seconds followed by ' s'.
7 h 24 min
